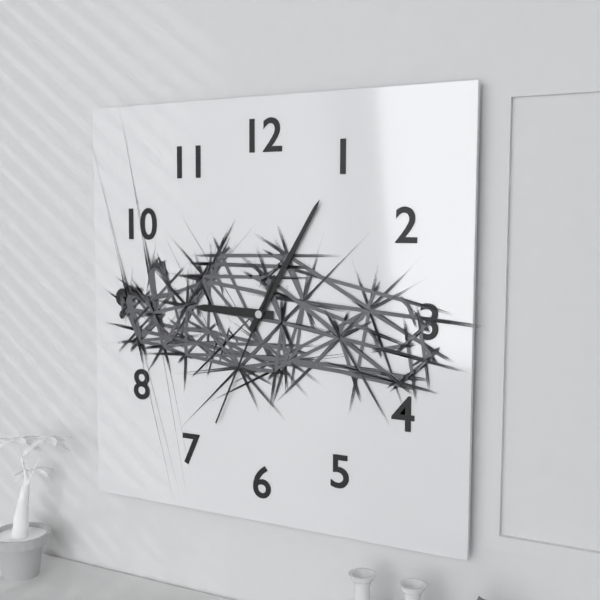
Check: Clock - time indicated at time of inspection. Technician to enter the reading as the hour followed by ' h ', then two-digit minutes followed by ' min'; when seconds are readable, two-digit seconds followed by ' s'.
9 h 05 min 34 s
